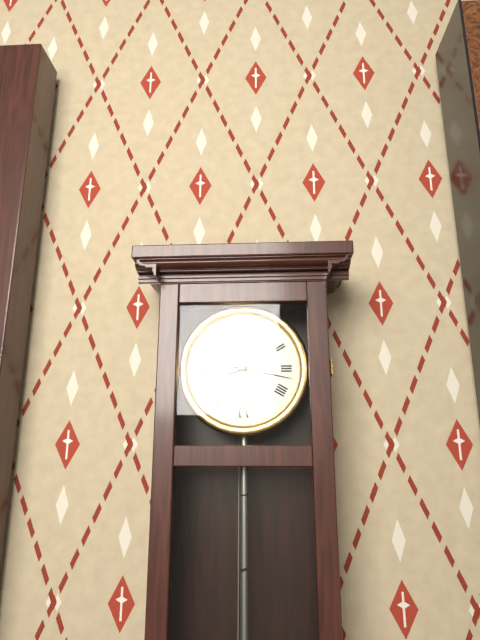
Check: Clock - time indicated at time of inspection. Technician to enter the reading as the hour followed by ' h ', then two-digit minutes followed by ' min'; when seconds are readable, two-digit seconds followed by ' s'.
8 h 17 min
